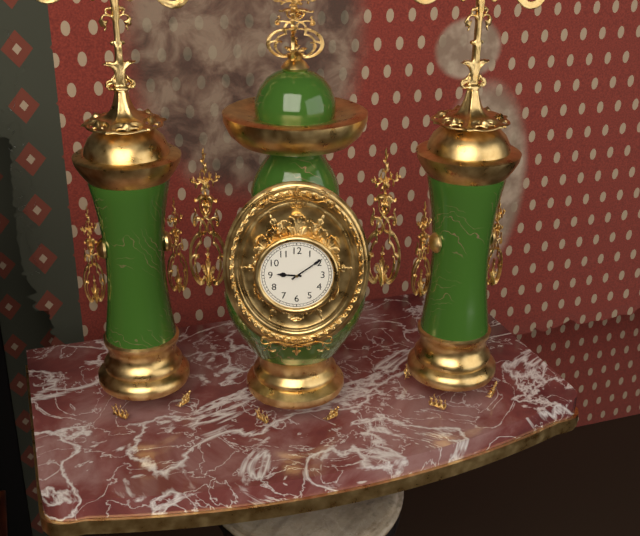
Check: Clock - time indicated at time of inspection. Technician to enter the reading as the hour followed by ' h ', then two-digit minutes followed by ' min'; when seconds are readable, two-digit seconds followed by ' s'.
9 h 09 min
